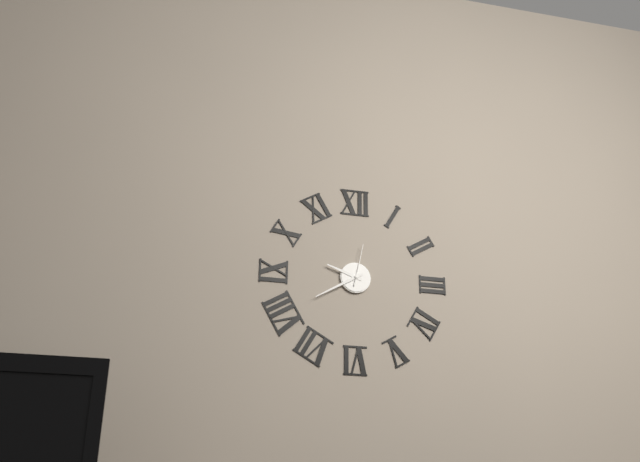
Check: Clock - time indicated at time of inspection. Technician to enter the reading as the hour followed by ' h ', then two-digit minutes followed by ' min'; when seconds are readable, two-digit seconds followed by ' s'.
9 h 40 min
